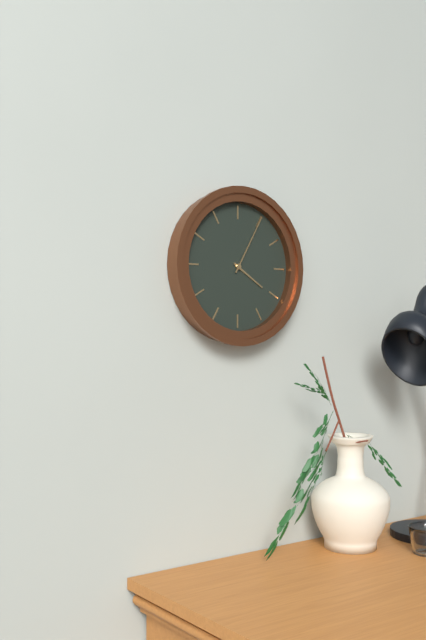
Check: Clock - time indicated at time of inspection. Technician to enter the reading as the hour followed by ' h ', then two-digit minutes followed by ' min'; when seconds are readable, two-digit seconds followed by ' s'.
4 h 05 min
